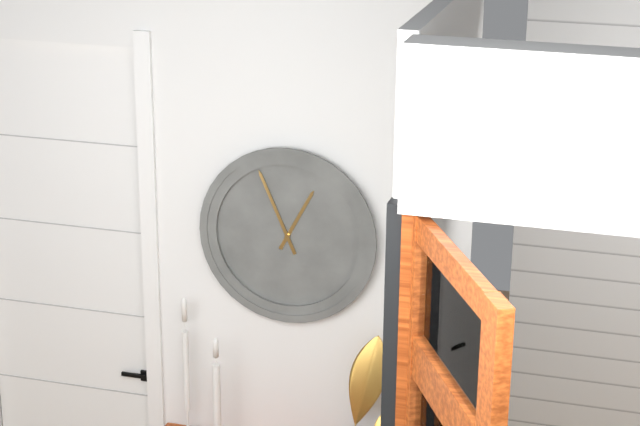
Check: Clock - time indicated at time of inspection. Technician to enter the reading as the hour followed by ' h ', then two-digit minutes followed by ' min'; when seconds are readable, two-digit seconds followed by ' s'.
12 h 56 min
